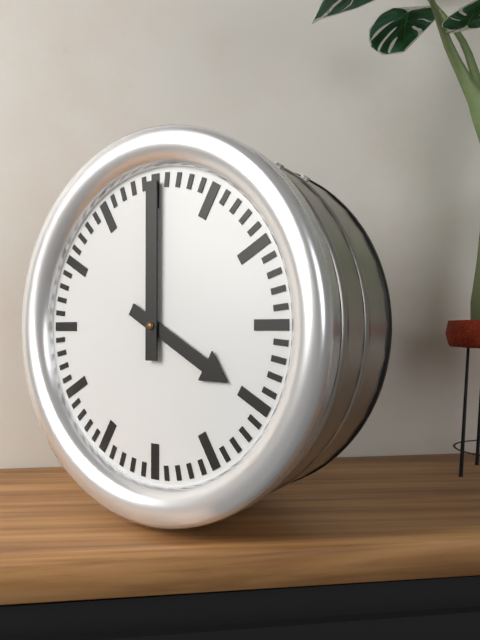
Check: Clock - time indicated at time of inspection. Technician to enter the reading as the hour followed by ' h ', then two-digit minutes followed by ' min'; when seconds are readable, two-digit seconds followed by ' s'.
4 h 00 min
